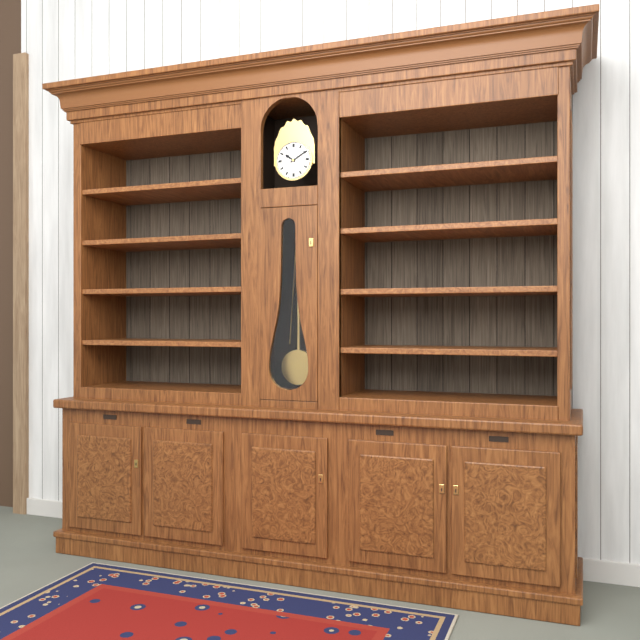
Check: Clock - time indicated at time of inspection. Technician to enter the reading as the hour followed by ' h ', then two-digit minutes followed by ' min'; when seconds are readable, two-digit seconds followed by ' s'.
10 h 10 min
